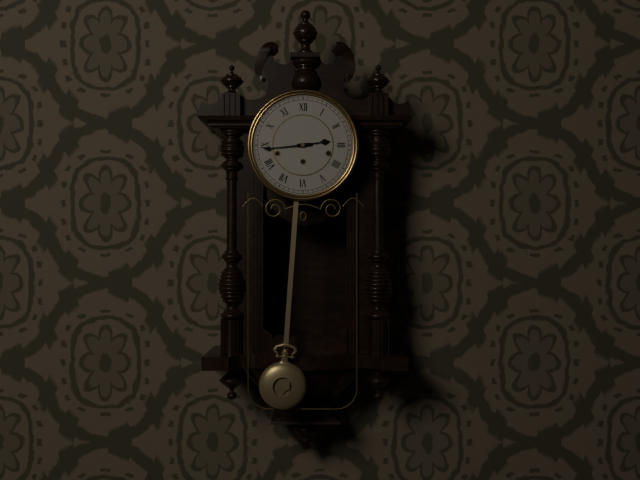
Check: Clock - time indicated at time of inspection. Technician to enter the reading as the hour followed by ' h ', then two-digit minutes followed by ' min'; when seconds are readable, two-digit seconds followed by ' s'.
2 h 44 min
